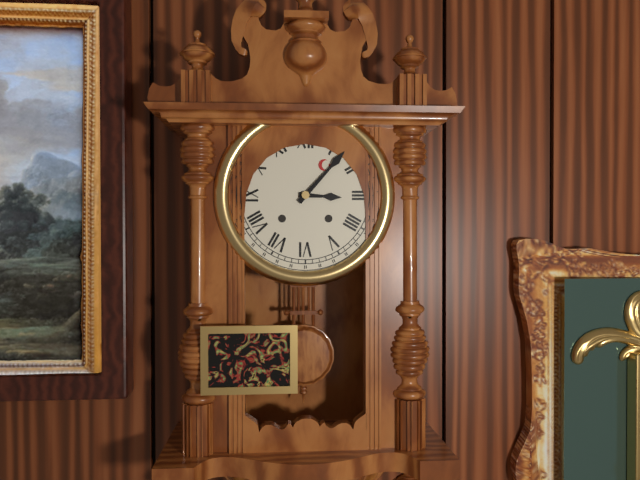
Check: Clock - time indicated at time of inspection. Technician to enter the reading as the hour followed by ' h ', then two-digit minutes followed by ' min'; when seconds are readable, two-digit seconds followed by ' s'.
3 h 07 min
